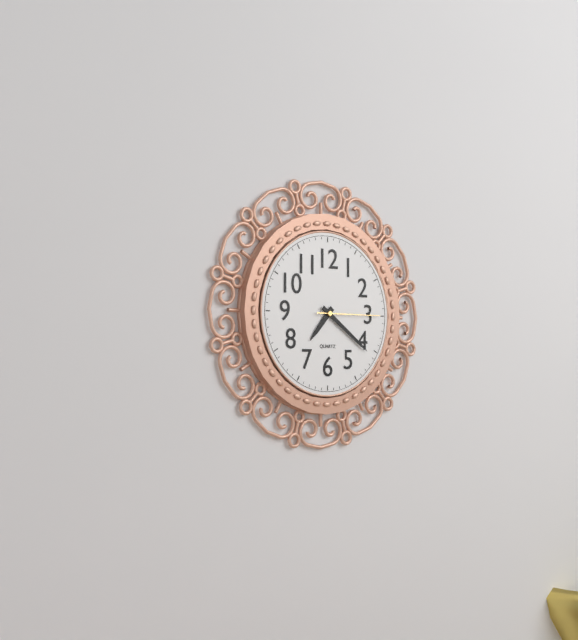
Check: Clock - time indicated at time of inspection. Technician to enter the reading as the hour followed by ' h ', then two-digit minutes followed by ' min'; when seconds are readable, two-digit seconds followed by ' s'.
7 h 21 min 15 s
